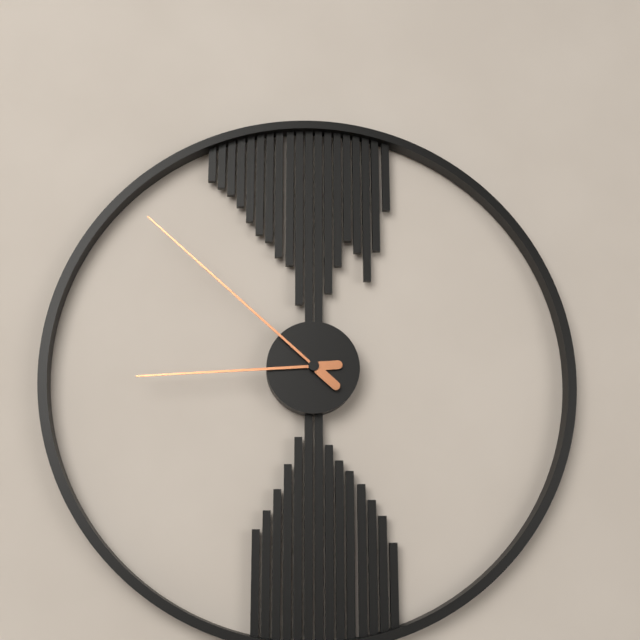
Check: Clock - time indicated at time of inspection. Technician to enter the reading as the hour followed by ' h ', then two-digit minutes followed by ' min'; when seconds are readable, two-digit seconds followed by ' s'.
8 h 52 min
